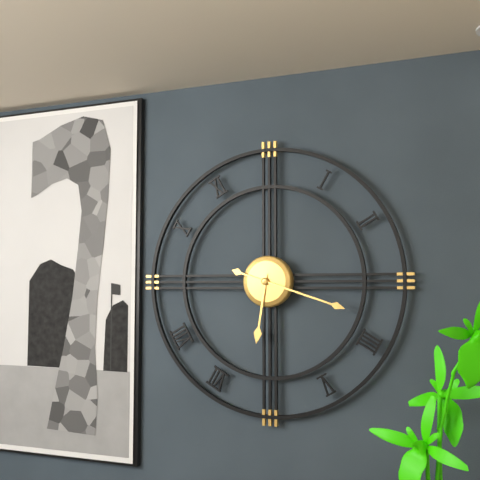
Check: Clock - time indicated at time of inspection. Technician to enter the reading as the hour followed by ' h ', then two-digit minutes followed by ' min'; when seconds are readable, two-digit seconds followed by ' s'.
6 h 18 min
